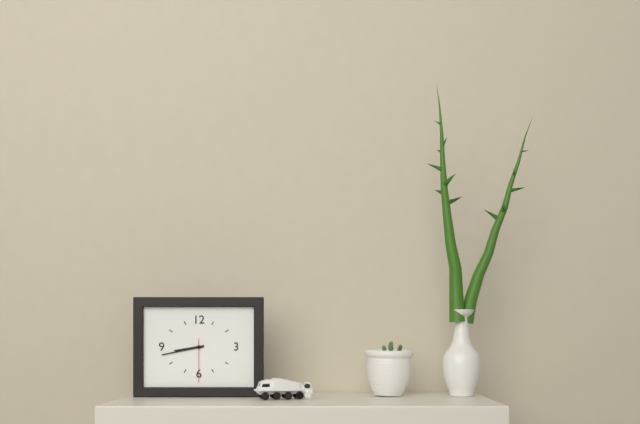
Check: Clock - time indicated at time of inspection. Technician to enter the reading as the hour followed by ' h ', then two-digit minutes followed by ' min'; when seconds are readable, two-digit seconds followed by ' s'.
8 h 43 min
